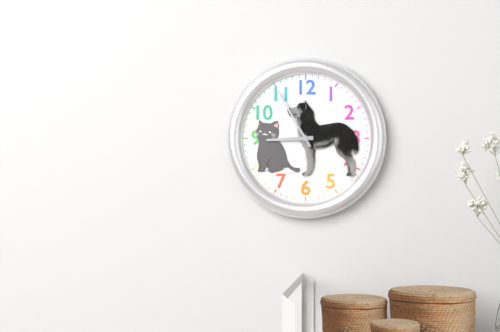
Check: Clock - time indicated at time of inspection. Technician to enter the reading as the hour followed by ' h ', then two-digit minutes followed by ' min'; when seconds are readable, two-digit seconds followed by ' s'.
8 h 55 min
